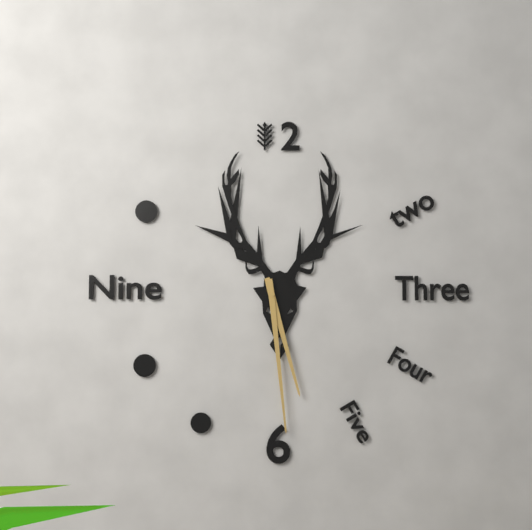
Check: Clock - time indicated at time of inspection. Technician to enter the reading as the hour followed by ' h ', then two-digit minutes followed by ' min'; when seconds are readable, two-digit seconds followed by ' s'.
5 h 29 min
